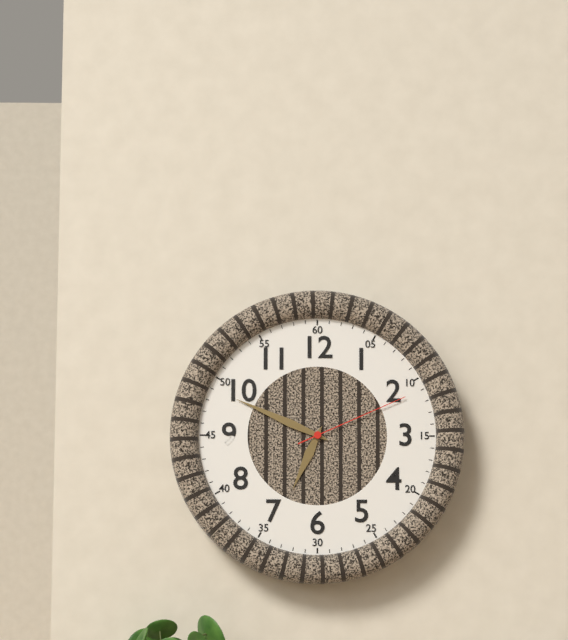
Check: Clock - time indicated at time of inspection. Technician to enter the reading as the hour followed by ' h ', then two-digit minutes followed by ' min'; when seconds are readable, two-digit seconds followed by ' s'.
6 h 49 min 11 s
